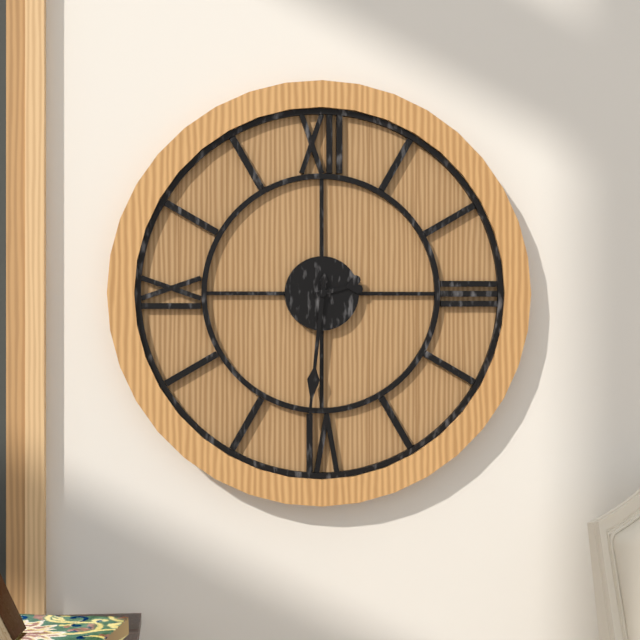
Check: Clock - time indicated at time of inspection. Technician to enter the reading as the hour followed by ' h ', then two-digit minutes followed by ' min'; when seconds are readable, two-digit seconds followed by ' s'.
2 h 31 min
